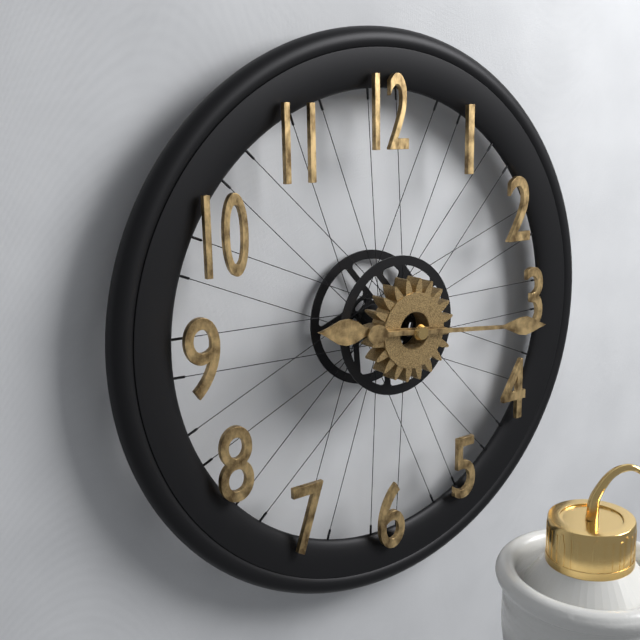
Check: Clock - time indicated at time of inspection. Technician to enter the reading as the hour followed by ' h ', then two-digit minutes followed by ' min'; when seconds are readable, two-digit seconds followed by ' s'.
9 h 16 min
